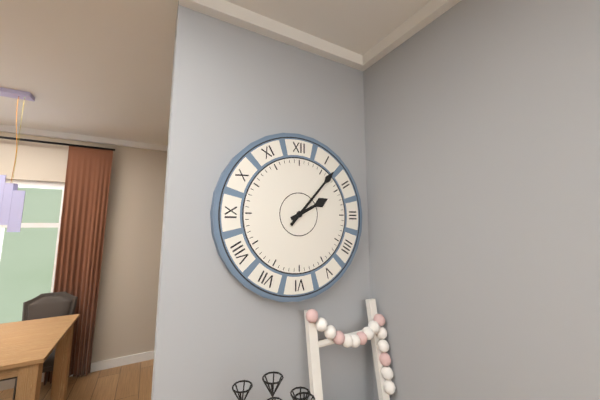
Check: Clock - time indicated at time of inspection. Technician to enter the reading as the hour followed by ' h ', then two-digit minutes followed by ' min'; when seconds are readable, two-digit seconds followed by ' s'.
2 h 07 min
